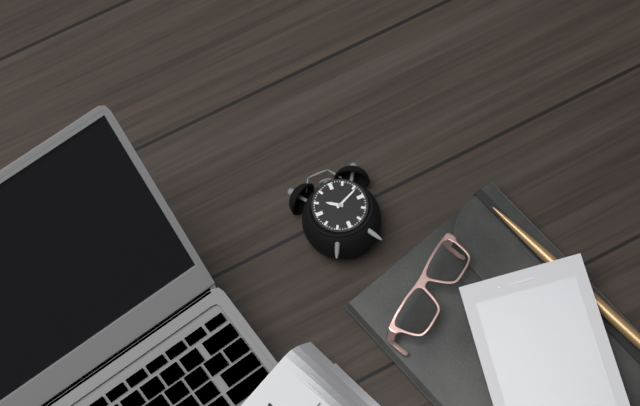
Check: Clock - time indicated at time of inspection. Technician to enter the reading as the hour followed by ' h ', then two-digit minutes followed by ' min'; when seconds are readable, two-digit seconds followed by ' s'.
10 h 11 min
